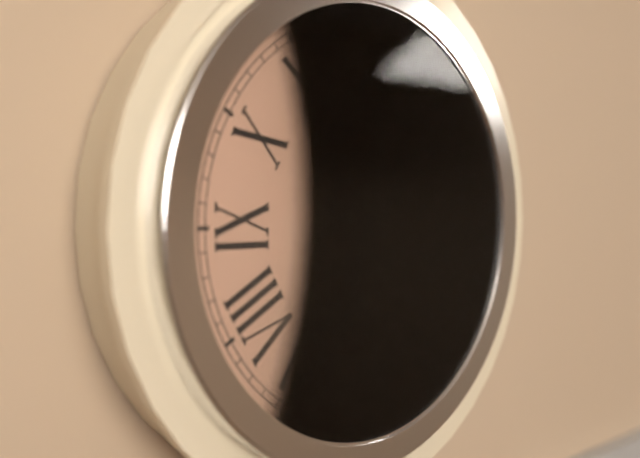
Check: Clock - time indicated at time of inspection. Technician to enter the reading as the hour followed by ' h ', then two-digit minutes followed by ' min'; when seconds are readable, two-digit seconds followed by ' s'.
12 h 11 min
